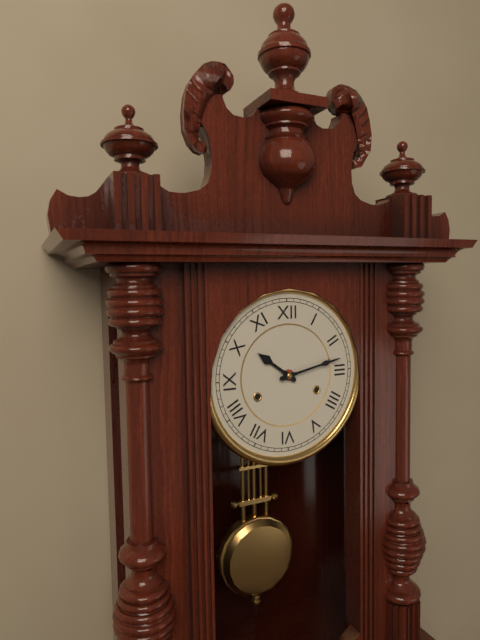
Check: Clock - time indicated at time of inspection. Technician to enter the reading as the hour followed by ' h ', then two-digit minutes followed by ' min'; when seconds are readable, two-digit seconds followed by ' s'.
10 h 13 min
